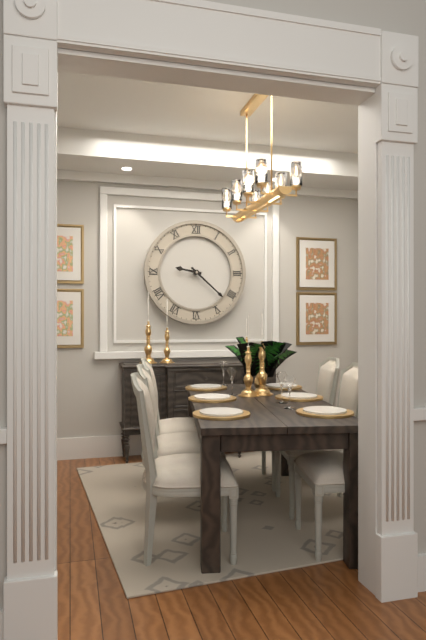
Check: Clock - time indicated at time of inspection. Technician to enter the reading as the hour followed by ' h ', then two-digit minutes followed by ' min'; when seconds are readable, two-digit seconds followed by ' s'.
9 h 22 min
